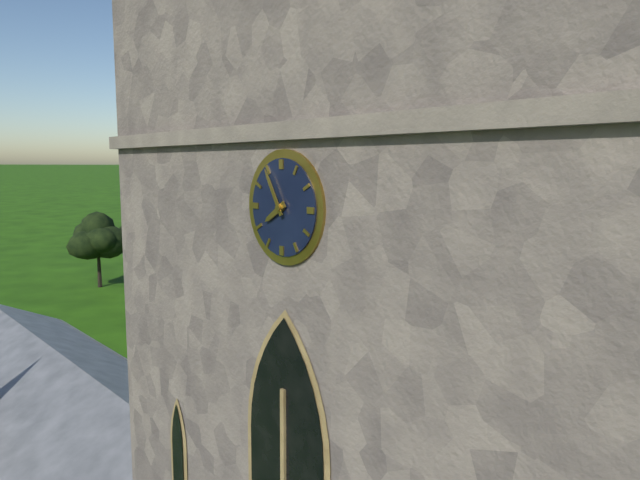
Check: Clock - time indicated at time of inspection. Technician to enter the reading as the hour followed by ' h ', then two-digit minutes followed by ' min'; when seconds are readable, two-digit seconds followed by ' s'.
7 h 55 min
